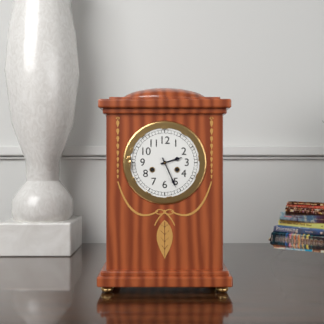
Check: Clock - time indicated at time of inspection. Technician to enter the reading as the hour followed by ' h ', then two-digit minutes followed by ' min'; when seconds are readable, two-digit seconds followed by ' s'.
2 h 26 min
